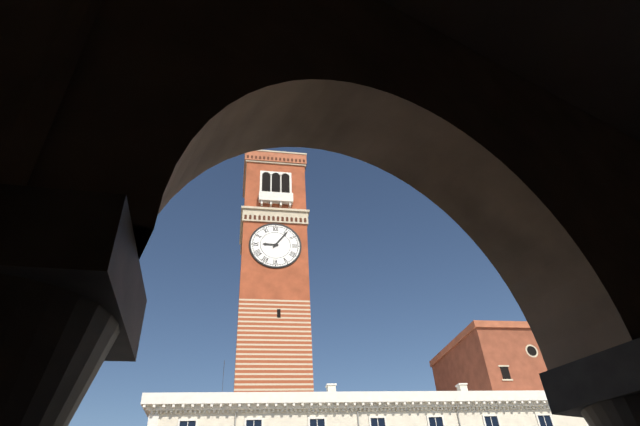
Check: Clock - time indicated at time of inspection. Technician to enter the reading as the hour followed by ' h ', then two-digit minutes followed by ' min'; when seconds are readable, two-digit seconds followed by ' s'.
9 h 06 min
